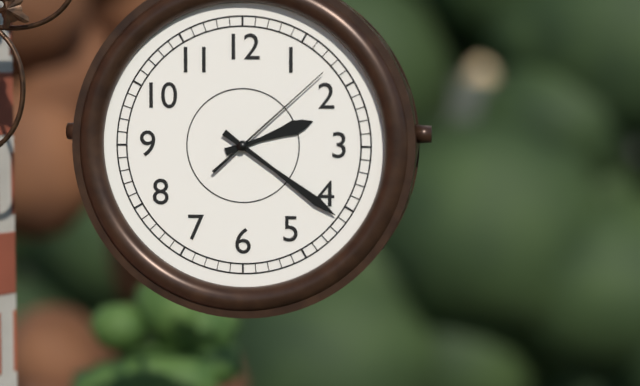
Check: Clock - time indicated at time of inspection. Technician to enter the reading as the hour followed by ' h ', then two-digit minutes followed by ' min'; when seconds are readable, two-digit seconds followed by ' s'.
2 h 21 min 08 s
